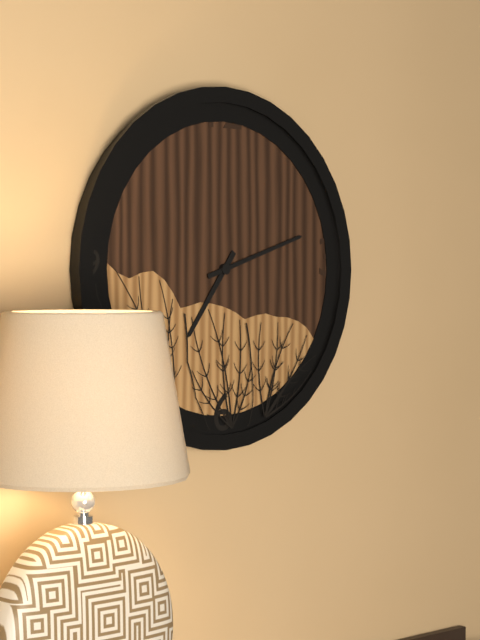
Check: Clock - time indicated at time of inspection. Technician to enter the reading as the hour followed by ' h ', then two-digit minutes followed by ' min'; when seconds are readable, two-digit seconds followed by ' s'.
7 h 12 min
